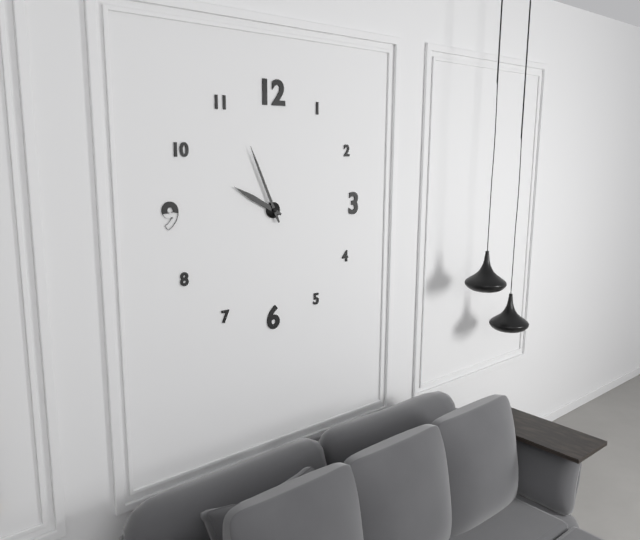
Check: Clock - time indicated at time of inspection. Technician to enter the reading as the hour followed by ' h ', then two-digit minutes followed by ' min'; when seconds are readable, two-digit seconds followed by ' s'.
9 h 56 min
